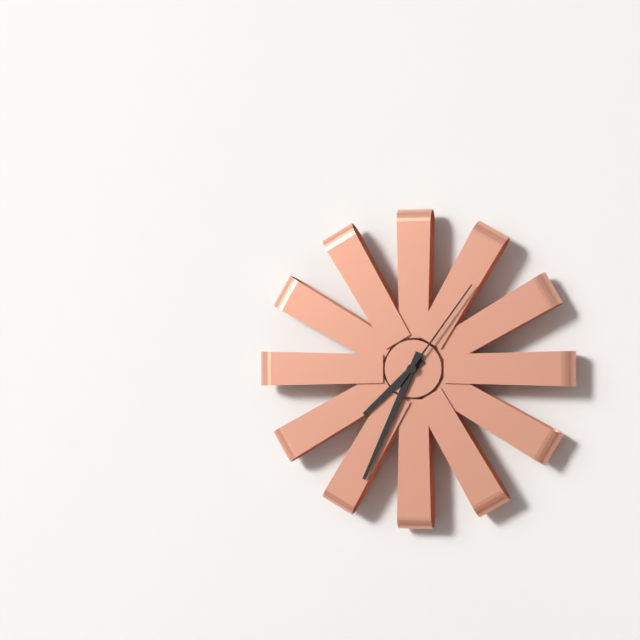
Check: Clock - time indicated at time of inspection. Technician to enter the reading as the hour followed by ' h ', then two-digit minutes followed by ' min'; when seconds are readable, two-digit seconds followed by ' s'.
7 h 34 min 06 s
